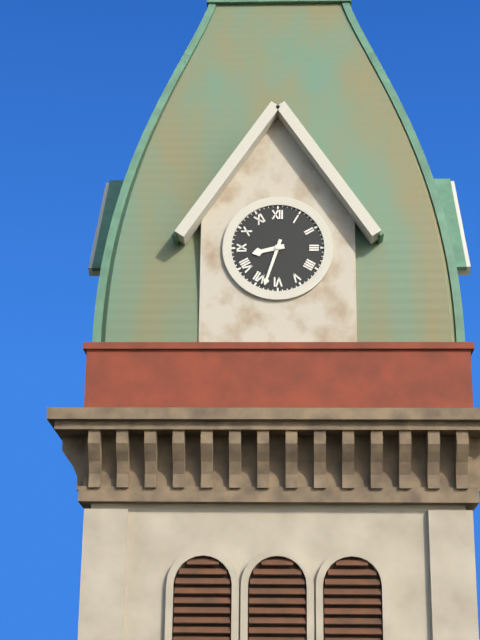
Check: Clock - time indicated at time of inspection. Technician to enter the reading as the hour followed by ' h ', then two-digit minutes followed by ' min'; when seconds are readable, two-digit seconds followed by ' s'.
8 h 33 min
